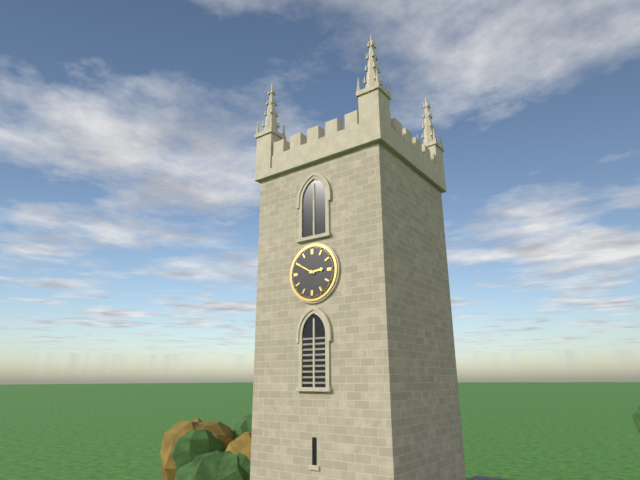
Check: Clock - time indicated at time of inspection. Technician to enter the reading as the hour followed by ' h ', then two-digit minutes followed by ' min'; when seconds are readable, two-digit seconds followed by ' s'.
2 h 50 min
